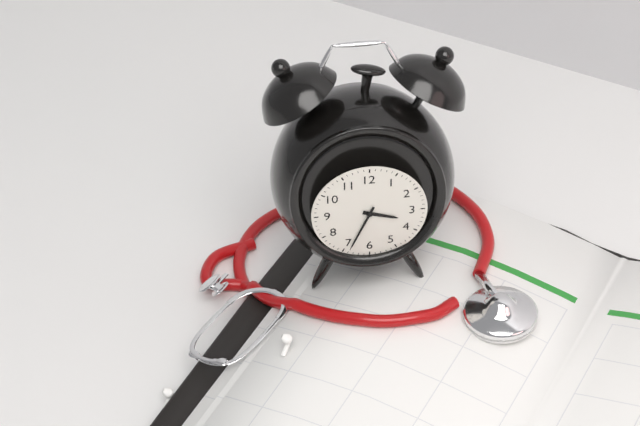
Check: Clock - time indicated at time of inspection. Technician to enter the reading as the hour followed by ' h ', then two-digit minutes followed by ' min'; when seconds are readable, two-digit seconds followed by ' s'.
3 h 34 min
